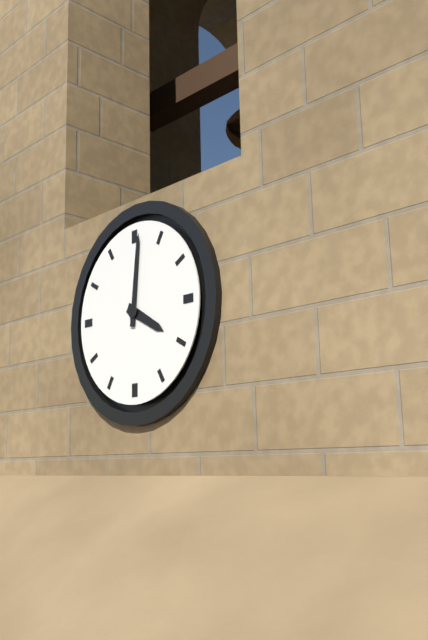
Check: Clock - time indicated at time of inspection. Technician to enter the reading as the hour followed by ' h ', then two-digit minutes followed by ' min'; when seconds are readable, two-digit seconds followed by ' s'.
4 h 01 min
